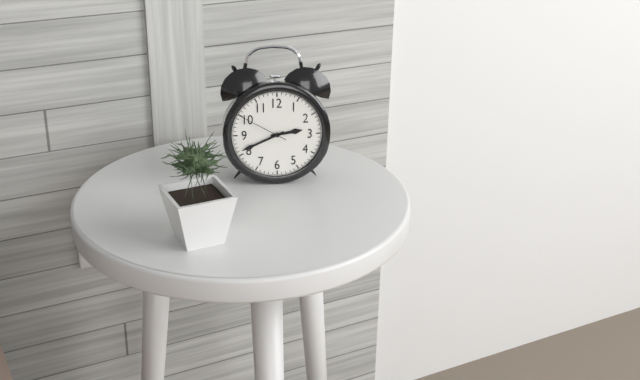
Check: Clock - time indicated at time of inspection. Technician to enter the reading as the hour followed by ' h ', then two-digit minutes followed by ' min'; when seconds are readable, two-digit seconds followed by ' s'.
2 h 41 min
